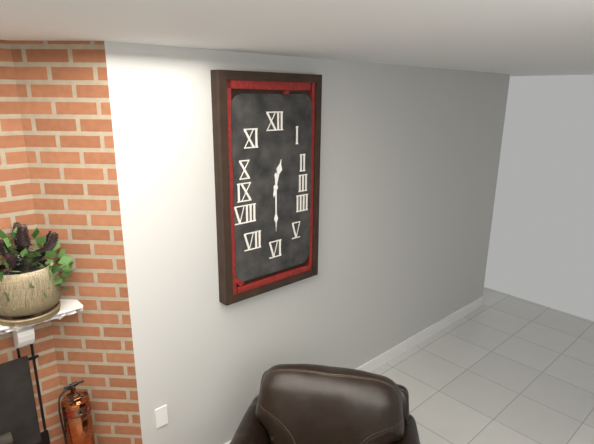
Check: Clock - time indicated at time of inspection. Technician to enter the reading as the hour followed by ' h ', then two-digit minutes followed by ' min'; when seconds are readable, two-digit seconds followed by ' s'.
12 h 30 min
